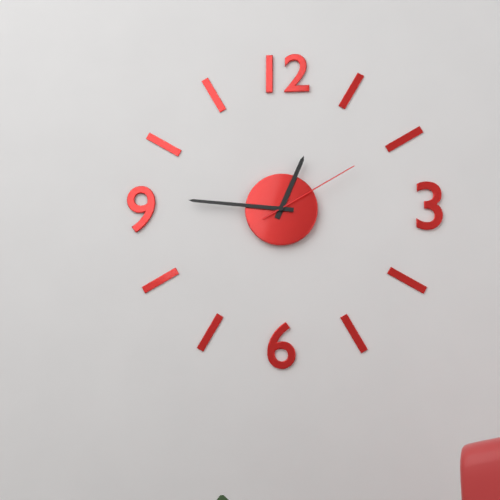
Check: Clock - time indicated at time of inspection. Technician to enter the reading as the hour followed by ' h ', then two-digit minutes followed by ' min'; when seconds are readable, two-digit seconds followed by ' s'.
12 h 46 min 10 s
